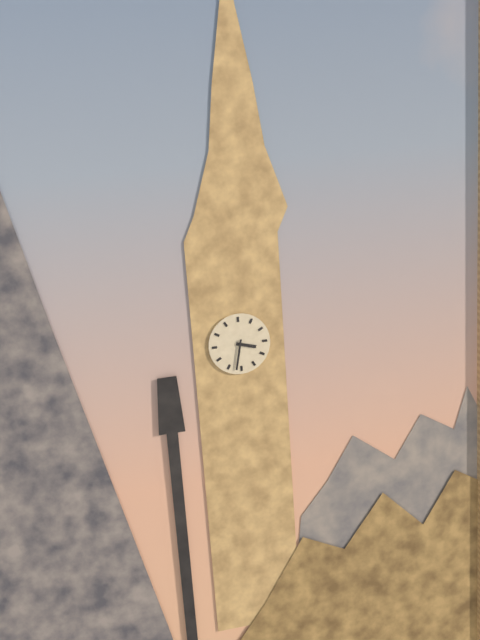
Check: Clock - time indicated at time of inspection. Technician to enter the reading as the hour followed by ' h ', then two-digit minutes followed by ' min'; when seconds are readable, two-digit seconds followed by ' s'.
3 h 32 min
